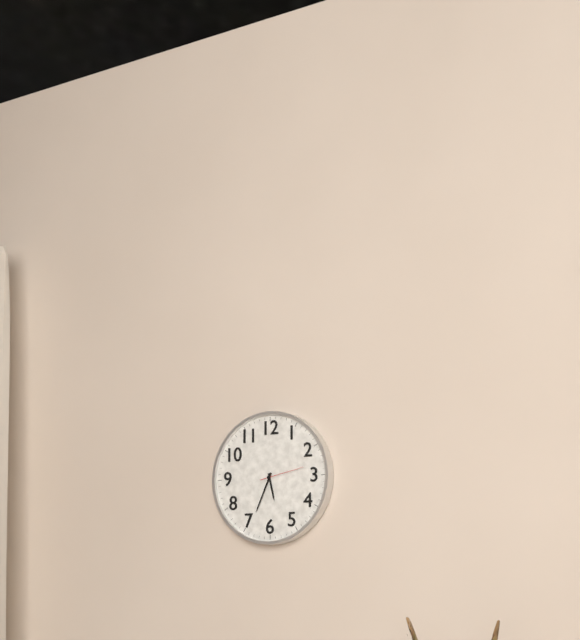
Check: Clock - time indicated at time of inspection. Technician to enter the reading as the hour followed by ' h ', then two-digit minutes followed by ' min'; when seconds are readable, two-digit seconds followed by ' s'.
5 h 34 min
